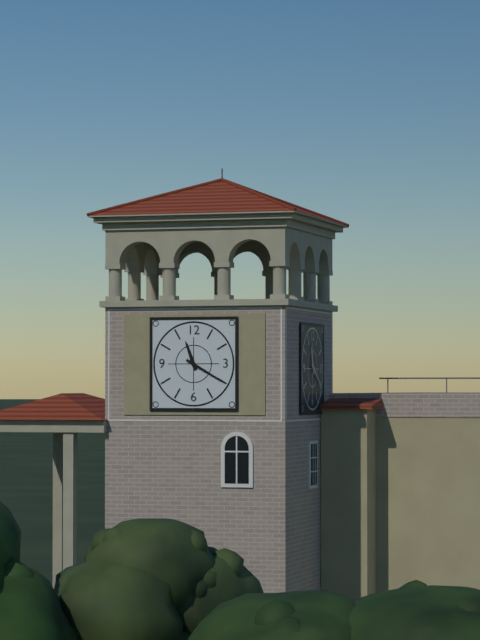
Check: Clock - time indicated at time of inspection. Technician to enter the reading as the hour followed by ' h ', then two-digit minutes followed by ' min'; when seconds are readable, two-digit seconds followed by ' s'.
11 h 20 min
